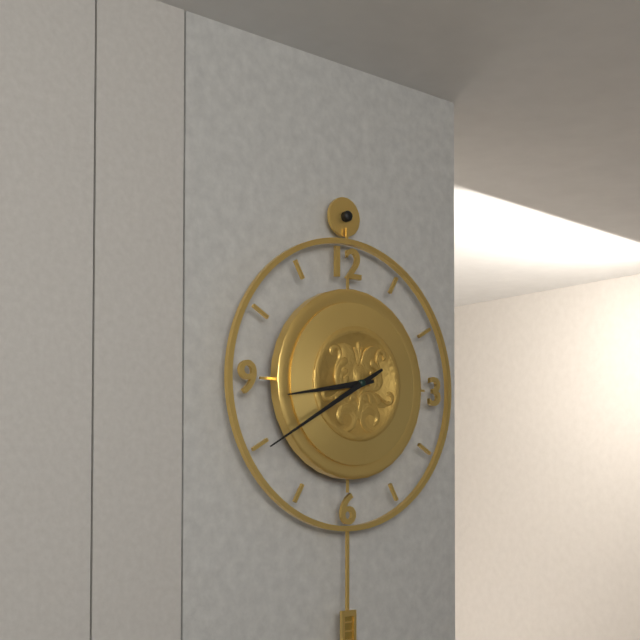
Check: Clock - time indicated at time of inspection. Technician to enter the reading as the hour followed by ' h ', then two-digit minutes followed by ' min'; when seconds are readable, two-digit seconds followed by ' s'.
8 h 40 min
